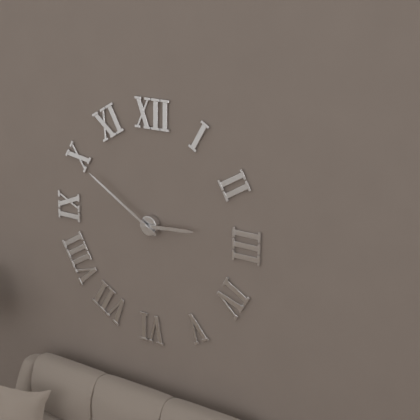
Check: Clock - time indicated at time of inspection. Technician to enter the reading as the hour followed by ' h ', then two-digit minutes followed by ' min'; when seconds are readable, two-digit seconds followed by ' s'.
2 h 50 min
